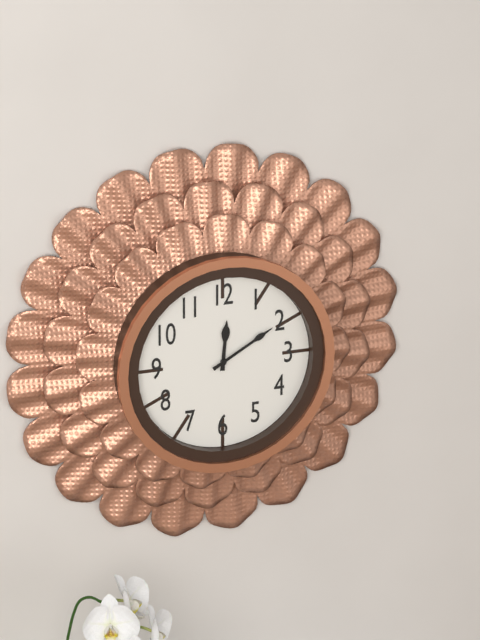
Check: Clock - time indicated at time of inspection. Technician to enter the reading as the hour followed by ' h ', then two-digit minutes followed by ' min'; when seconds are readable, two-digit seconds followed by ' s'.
12 h 10 min
